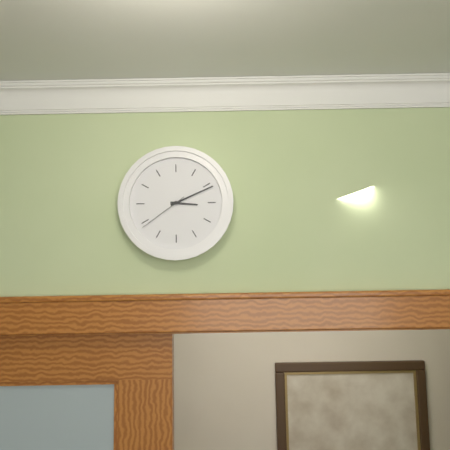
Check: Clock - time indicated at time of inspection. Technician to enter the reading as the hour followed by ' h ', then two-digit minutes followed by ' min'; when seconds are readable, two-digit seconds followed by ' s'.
3 h 11 min 39 s
